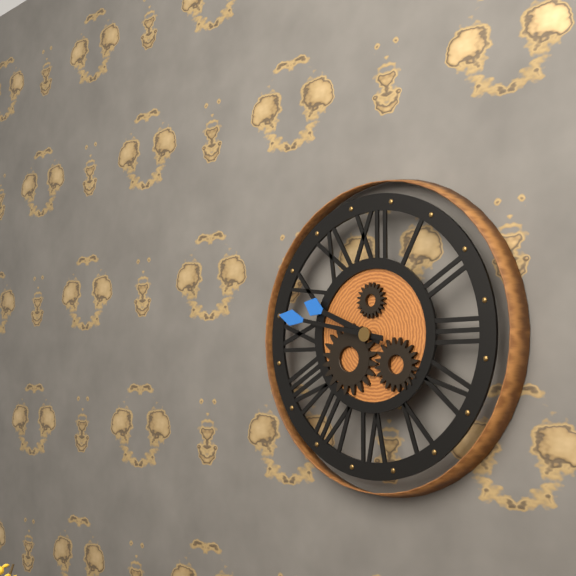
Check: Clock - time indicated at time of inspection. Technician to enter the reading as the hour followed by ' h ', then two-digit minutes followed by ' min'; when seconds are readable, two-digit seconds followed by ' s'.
9 h 47 min
